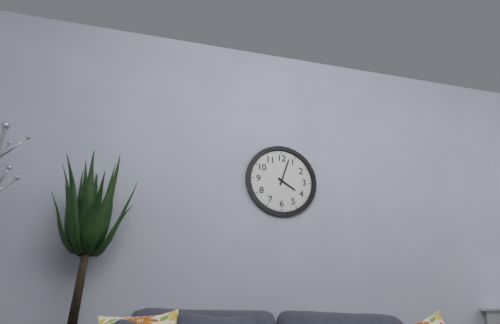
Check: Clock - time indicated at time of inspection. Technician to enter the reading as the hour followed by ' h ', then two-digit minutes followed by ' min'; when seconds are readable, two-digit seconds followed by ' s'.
4 h 03 min
